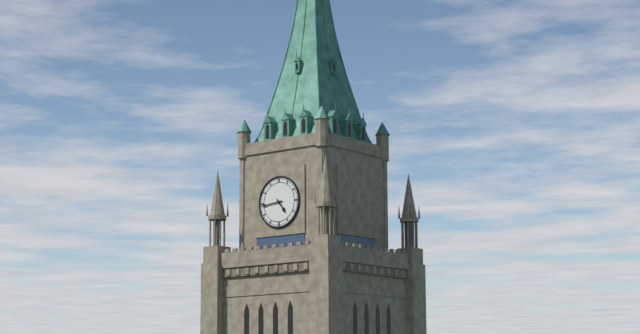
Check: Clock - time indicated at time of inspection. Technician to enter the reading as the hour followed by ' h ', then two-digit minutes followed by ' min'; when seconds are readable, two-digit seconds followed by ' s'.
4 h 44 min
